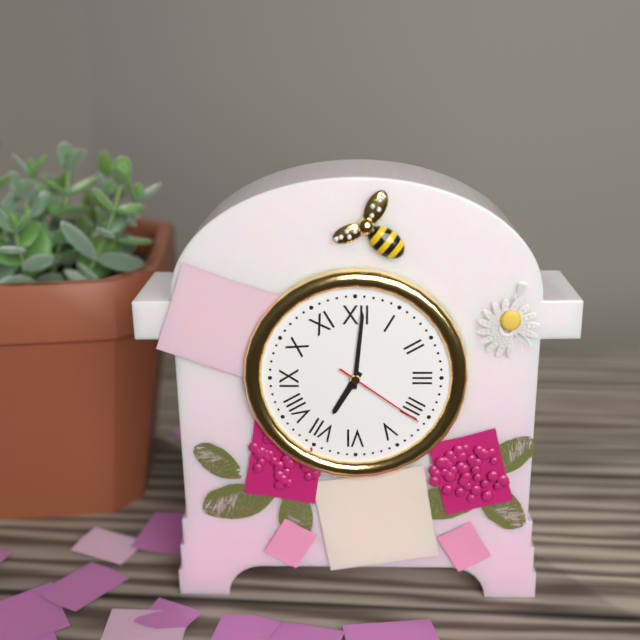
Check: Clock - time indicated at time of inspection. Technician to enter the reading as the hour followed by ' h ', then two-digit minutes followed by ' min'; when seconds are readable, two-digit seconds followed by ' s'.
7 h 01 min 21 s
